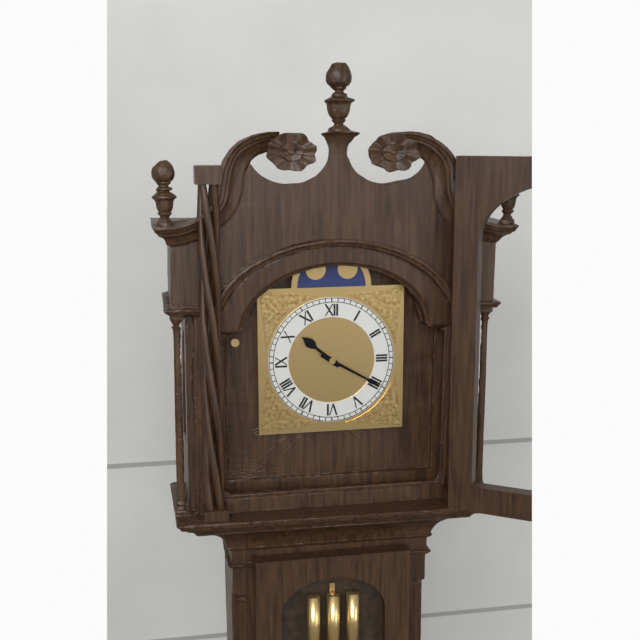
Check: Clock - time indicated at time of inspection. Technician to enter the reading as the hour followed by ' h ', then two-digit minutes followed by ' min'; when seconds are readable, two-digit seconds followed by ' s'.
10 h 20 min
